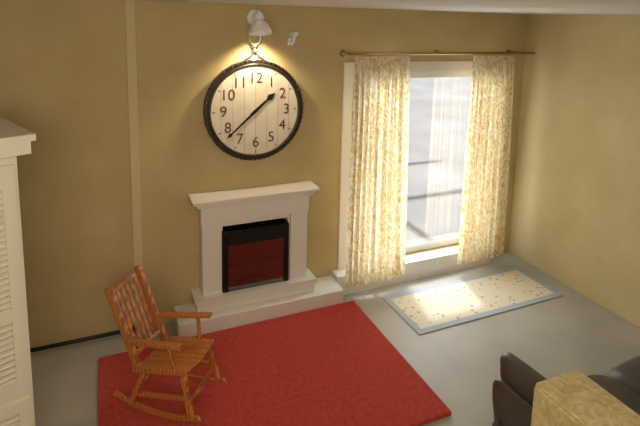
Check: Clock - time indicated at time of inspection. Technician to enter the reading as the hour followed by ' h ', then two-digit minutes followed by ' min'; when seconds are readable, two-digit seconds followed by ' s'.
1 h 38 min
